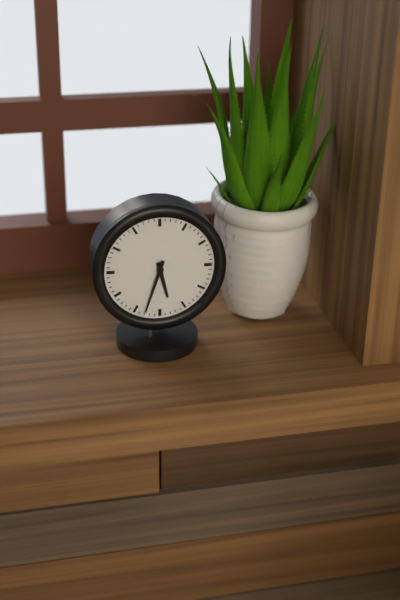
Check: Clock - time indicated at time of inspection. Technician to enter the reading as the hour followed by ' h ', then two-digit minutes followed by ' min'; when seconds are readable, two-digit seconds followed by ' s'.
5 h 33 min
